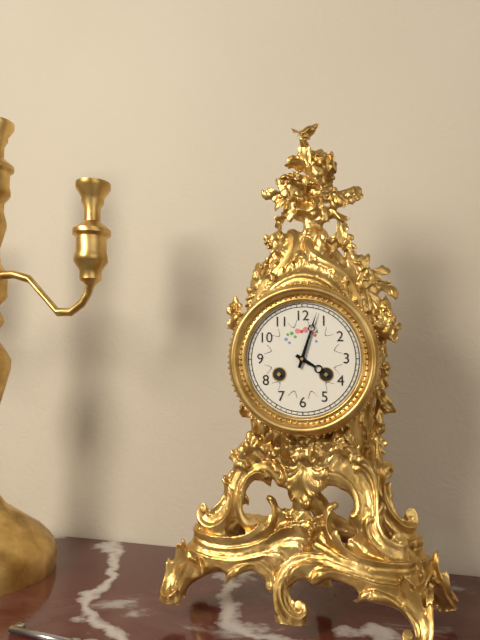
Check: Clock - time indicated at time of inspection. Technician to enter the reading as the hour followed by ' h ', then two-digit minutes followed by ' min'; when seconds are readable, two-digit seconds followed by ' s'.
4 h 03 min
